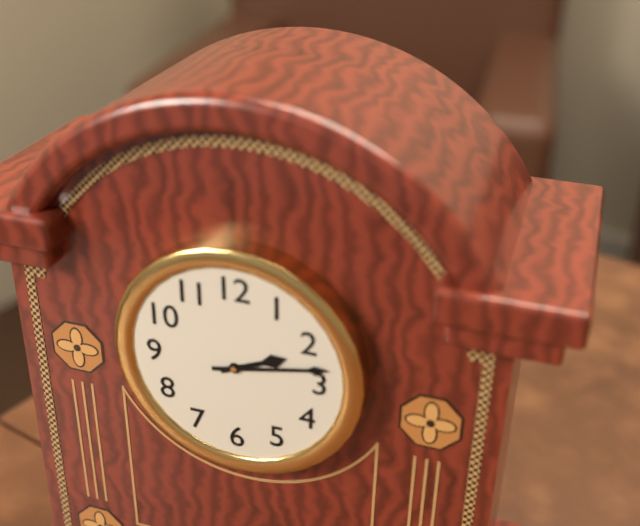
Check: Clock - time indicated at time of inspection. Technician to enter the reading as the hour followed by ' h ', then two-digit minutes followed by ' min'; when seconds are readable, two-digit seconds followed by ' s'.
2 h 13 min
